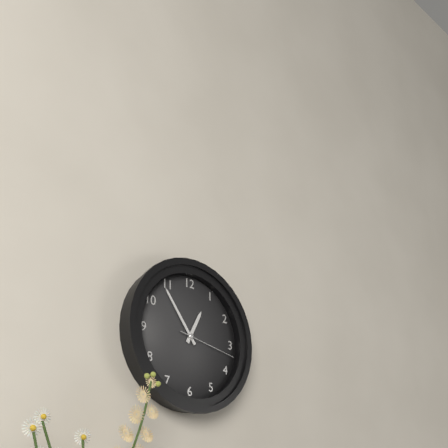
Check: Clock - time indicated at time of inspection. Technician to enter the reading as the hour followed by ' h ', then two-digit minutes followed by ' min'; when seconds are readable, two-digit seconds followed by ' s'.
12 h 54 min 17 s
